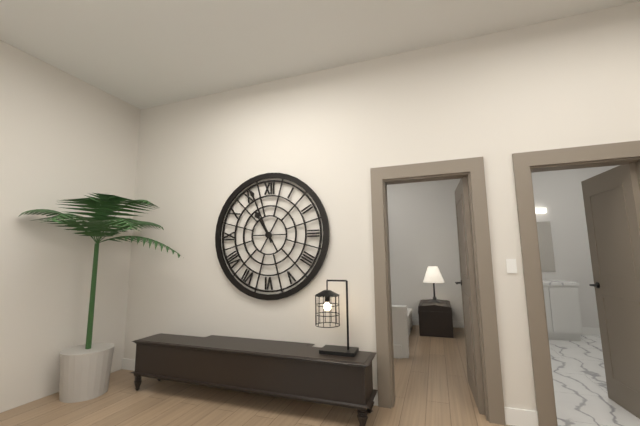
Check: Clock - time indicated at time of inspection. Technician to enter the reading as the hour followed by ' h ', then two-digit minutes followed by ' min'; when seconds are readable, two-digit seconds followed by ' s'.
10 h 56 min
